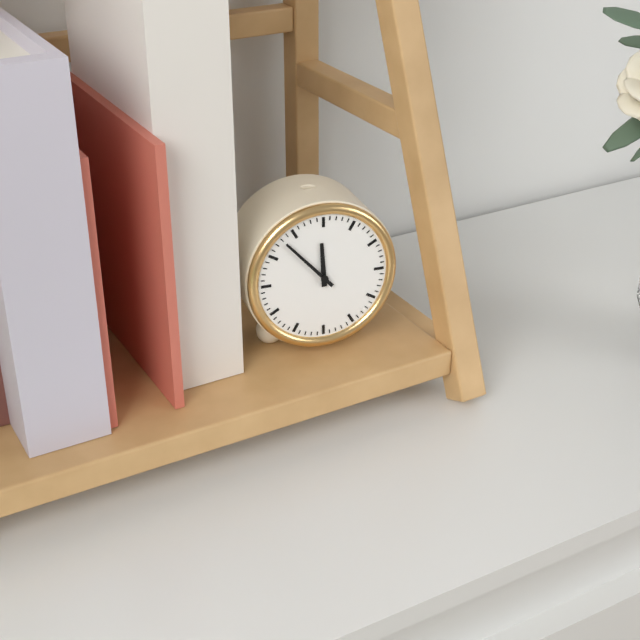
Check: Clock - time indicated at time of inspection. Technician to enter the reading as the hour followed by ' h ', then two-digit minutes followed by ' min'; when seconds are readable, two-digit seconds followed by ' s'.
11 h 53 min
